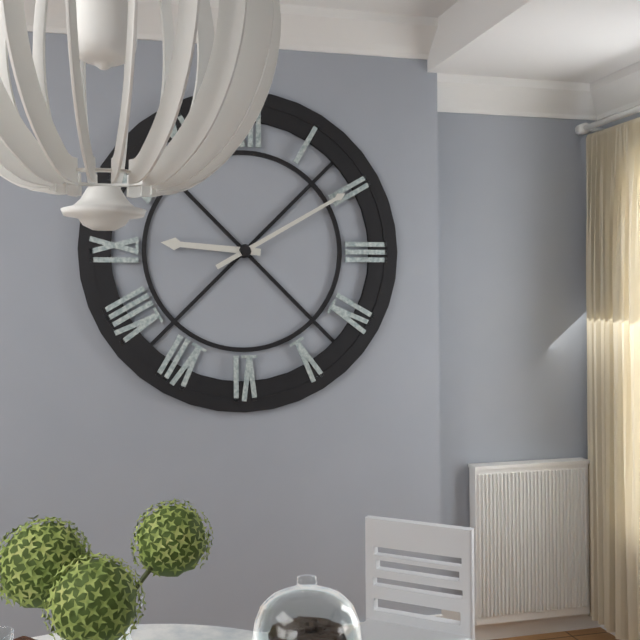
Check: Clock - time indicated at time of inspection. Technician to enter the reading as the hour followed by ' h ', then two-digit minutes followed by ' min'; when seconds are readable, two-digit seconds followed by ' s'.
9 h 10 min
